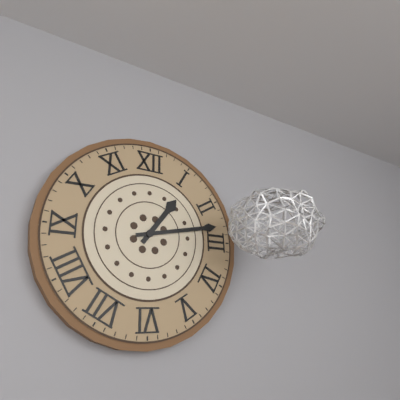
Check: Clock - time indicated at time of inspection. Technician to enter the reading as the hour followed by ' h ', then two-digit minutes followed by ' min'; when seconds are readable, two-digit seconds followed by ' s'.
1 h 13 min
